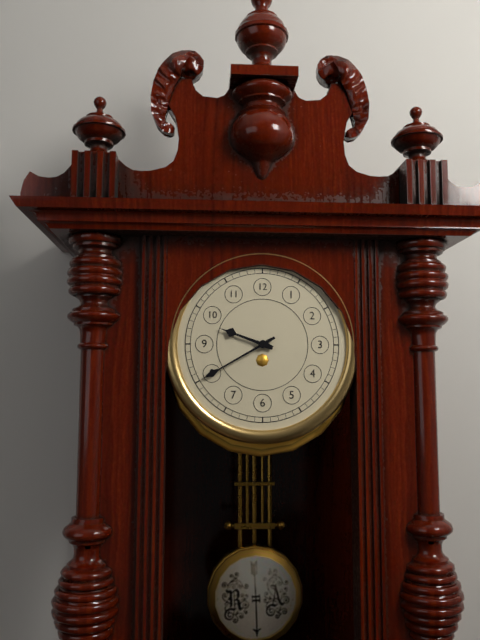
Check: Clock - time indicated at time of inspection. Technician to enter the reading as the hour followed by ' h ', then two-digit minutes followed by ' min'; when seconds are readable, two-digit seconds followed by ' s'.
9 h 40 min
